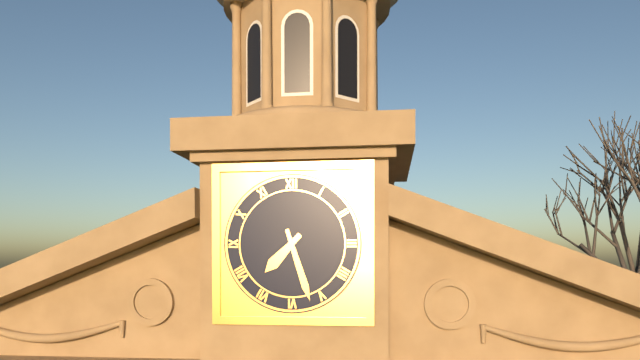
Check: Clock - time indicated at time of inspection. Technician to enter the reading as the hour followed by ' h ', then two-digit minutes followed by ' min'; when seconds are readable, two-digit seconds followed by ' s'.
7 h 27 min
